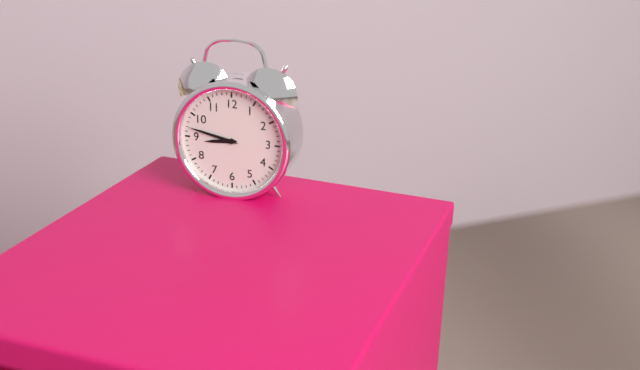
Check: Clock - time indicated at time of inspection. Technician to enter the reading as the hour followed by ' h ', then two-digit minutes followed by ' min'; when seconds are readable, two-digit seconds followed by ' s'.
8 h 47 min
